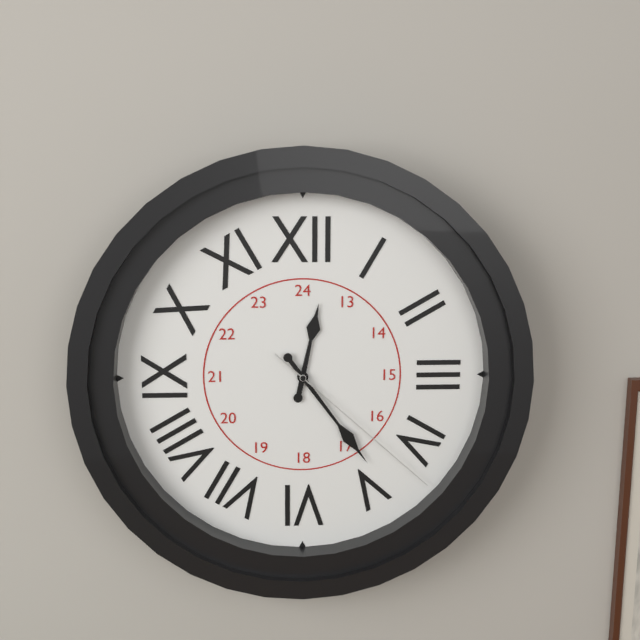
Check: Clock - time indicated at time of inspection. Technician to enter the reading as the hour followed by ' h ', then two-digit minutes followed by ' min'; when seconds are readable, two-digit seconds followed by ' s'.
12 h 24 min 22 s
